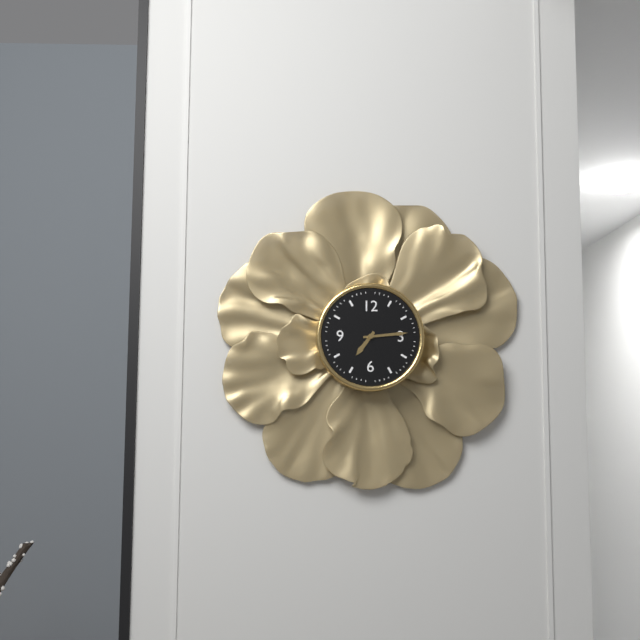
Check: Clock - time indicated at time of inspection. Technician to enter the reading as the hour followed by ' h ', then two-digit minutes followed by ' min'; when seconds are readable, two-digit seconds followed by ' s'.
7 h 14 min
